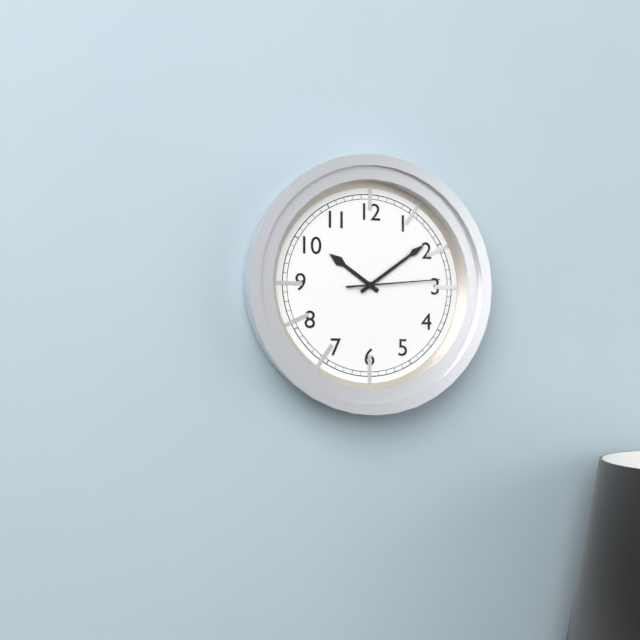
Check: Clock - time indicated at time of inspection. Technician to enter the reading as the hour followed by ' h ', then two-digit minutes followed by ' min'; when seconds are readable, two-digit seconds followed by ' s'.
10 h 09 min 14 s
